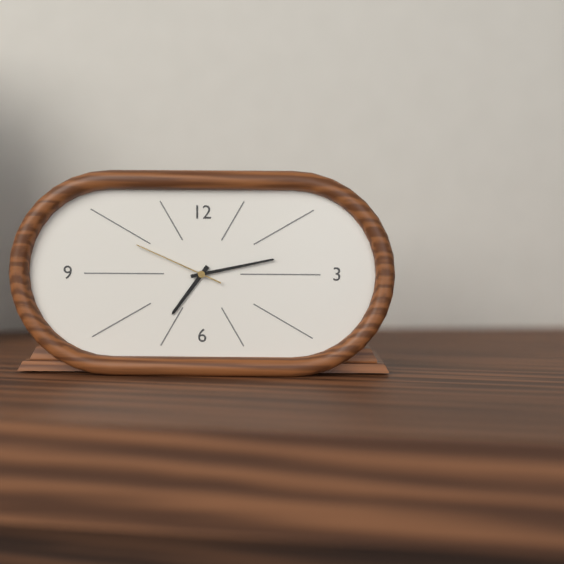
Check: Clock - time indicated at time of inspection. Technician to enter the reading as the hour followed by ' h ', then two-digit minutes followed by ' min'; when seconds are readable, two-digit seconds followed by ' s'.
7 h 13 min 49 s
